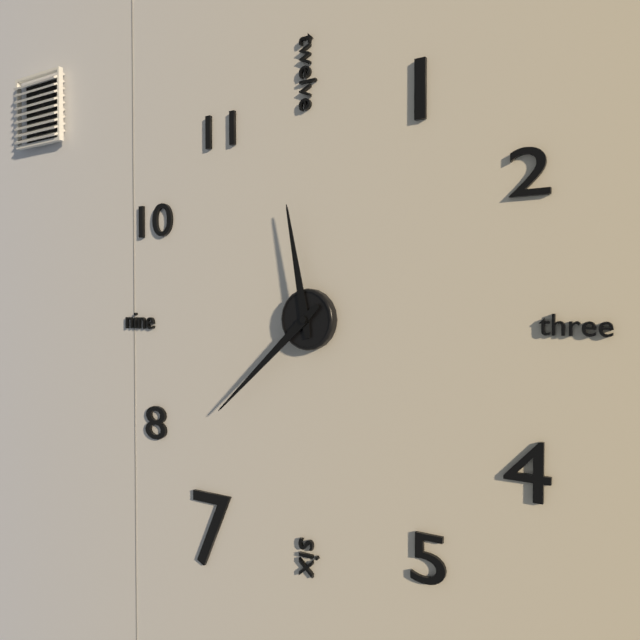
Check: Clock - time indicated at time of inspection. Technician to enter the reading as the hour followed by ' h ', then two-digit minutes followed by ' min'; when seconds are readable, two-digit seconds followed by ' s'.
11 h 38 min
